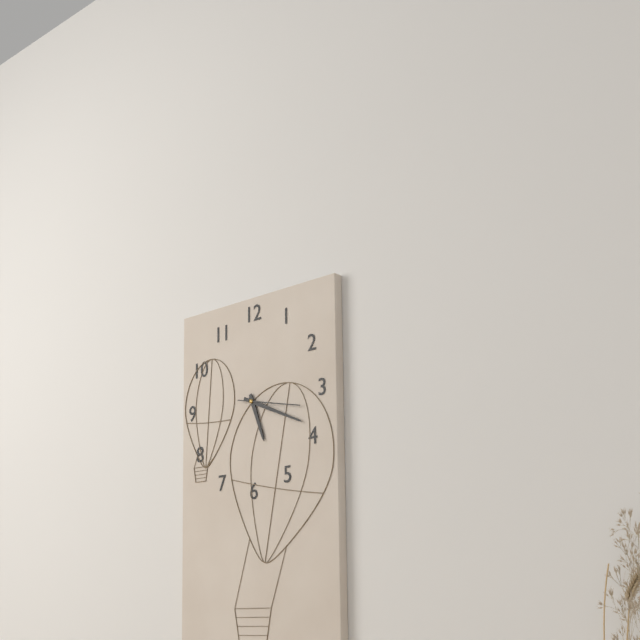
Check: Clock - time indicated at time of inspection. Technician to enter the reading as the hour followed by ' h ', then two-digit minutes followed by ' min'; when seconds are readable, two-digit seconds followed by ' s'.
5 h 19 min 17 s
